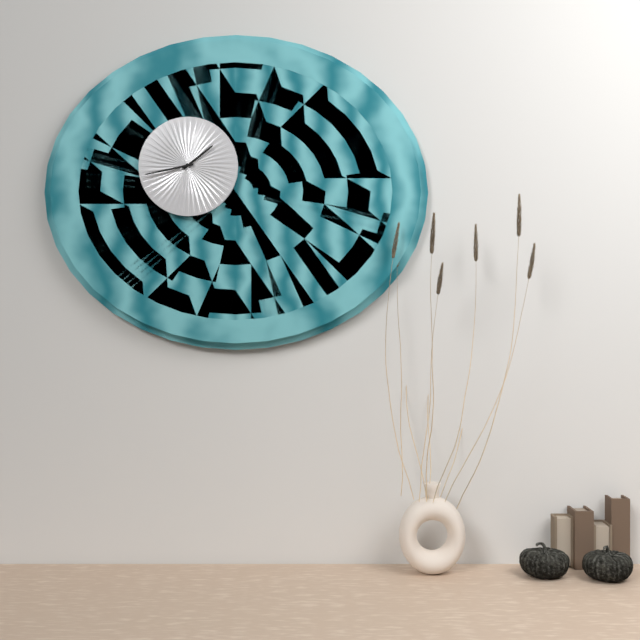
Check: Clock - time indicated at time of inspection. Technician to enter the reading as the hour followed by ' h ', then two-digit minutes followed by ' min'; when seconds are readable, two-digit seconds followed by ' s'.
1 h 43 min
